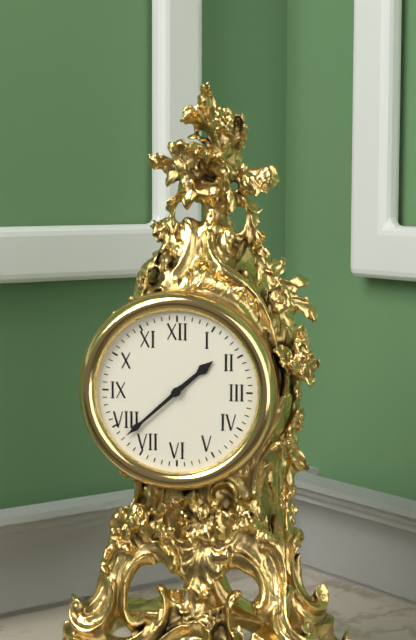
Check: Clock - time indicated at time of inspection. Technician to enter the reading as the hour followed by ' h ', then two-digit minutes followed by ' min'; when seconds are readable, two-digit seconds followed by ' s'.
1 h 38 min
